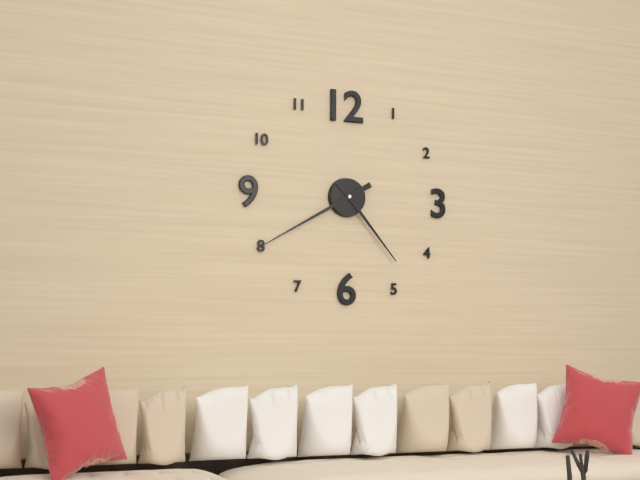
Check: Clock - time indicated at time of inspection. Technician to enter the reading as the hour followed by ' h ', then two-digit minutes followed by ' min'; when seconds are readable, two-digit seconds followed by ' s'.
4 h 40 min
